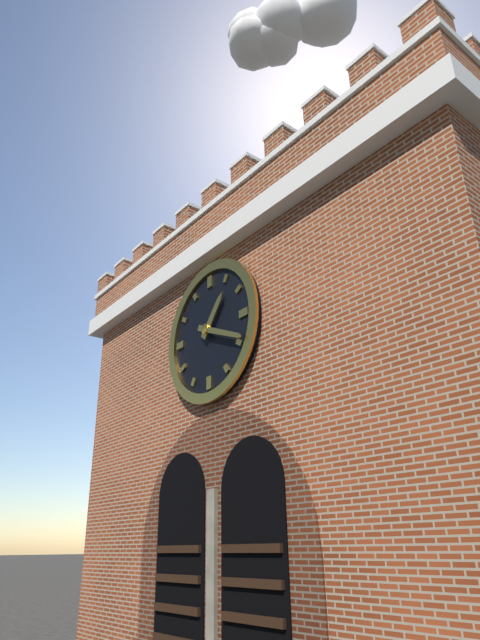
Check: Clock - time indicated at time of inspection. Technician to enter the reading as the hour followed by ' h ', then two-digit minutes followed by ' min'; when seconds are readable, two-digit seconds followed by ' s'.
1 h 19 min
